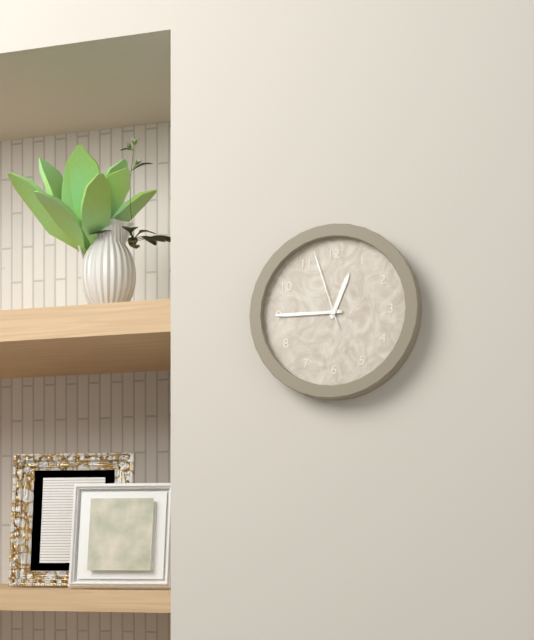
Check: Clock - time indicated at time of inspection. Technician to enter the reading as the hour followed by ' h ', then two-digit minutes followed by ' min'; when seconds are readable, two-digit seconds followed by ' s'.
12 h 45 min 57 s
